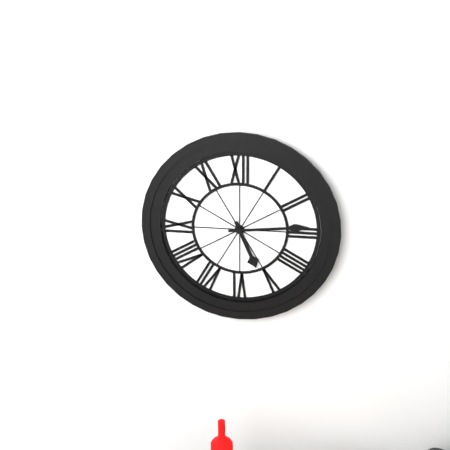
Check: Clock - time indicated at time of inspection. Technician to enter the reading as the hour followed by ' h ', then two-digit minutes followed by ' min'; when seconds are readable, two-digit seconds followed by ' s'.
5 h 14 min
